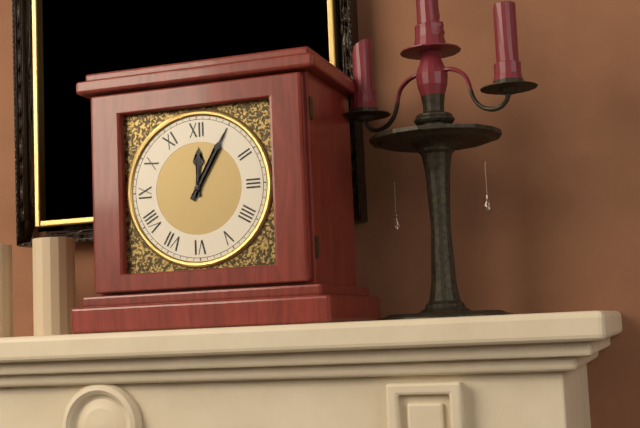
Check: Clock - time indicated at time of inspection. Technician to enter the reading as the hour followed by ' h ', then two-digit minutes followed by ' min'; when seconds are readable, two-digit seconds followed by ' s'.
12 h 05 min
